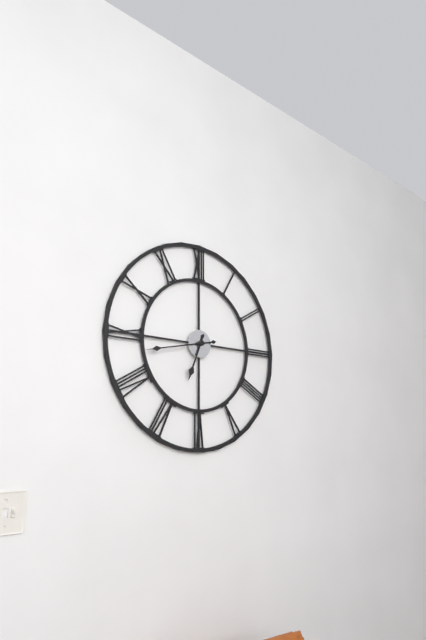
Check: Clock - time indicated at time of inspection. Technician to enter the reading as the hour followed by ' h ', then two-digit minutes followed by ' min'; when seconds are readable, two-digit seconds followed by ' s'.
6 h 43 min
